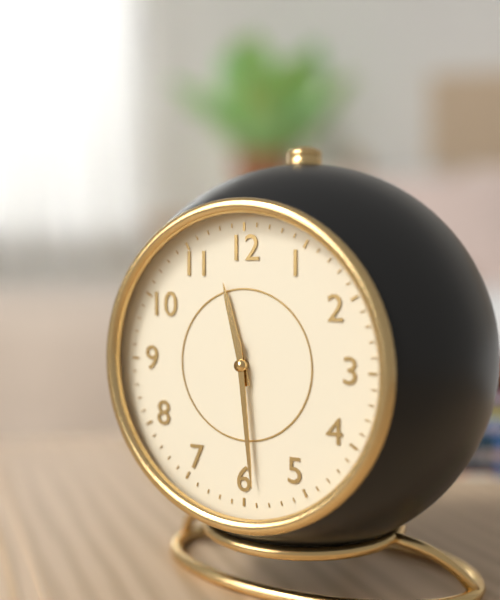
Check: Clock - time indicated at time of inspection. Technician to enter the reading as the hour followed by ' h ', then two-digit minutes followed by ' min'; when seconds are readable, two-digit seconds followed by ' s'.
11 h 29 min
